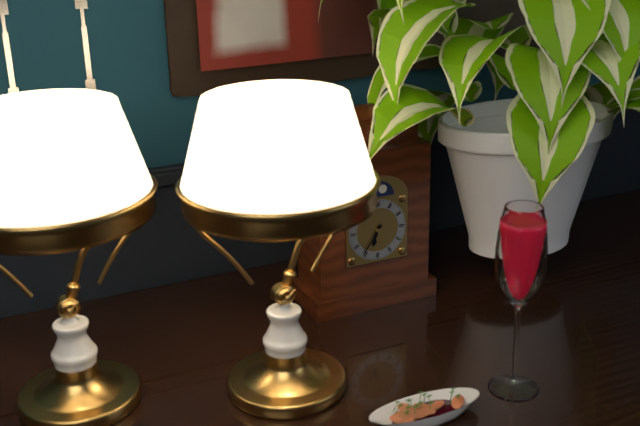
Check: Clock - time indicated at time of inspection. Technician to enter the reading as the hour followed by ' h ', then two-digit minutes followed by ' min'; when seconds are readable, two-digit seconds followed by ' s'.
6 h 36 min
